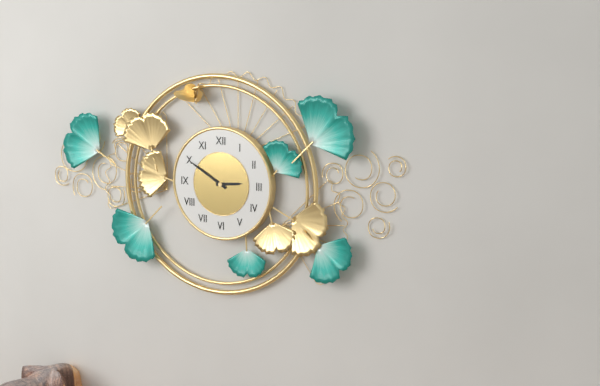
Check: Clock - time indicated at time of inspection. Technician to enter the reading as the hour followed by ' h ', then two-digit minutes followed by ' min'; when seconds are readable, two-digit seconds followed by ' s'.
2 h 50 min
